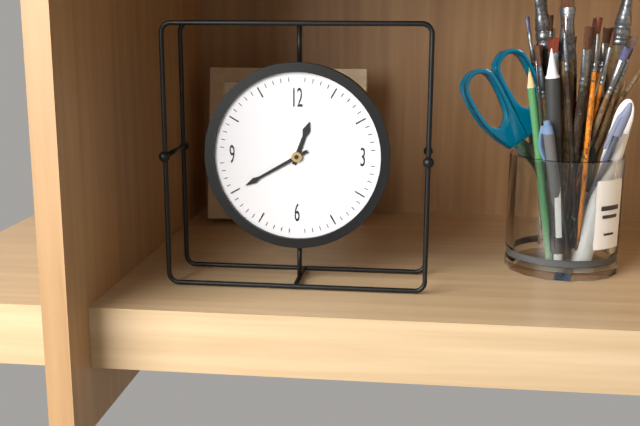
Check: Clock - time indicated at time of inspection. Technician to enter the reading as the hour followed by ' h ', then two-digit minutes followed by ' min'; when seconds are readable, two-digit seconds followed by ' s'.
12 h 40 min
